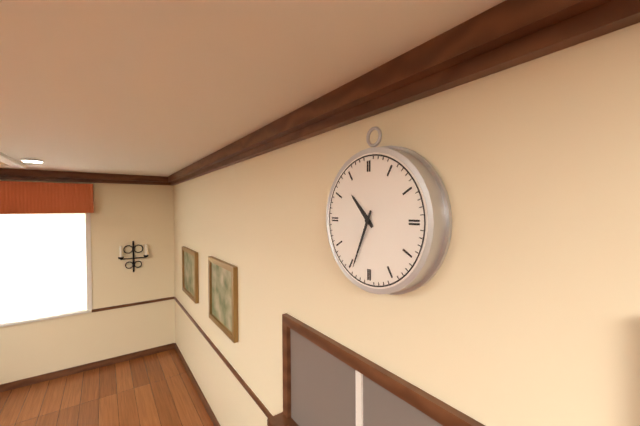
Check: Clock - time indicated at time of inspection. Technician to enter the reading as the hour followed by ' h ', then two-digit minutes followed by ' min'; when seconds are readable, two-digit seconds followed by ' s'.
10 h 34 min
